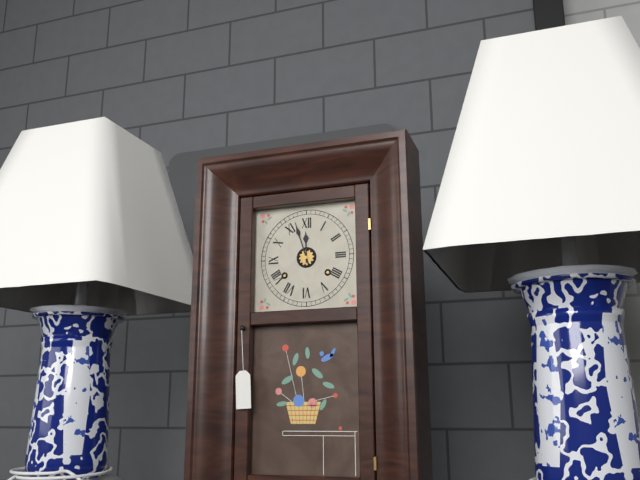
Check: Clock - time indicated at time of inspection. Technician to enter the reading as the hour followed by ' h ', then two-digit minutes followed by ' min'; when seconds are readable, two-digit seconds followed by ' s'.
11 h 57 min
